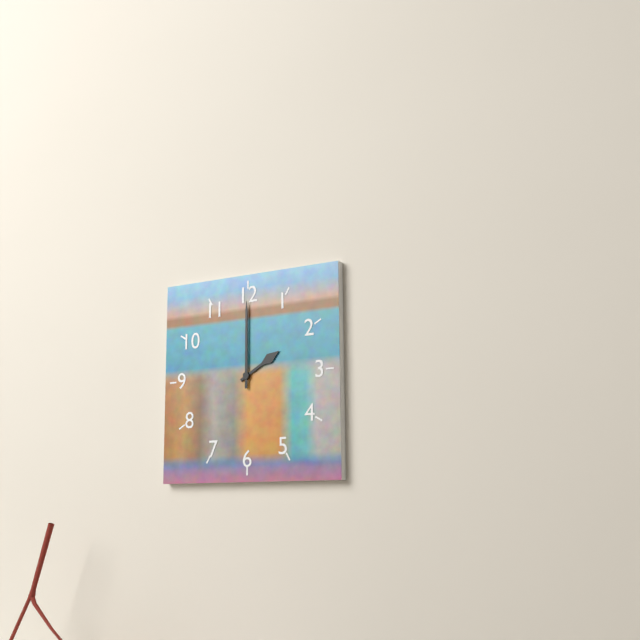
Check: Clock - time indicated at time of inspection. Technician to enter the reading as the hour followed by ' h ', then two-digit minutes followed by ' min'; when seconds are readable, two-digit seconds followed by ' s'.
2 h 00 min
